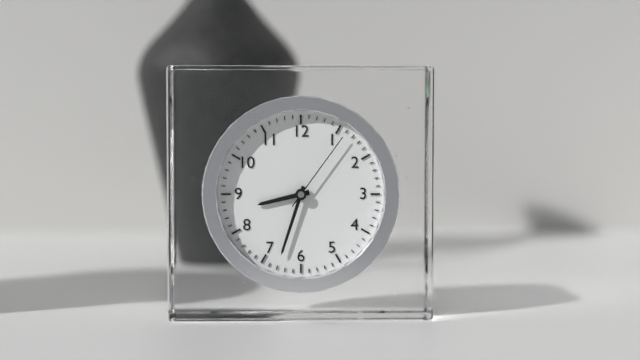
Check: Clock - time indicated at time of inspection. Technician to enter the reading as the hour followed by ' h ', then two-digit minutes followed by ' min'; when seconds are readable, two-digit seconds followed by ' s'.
8 h 33 min 06 s
